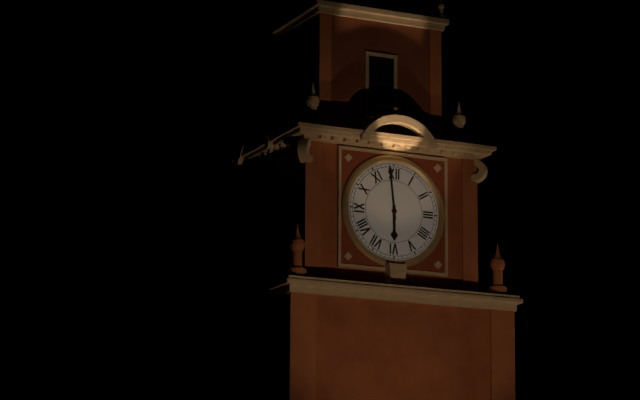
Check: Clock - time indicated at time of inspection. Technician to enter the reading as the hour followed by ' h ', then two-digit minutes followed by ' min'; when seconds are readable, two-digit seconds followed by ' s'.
5 h 59 min
